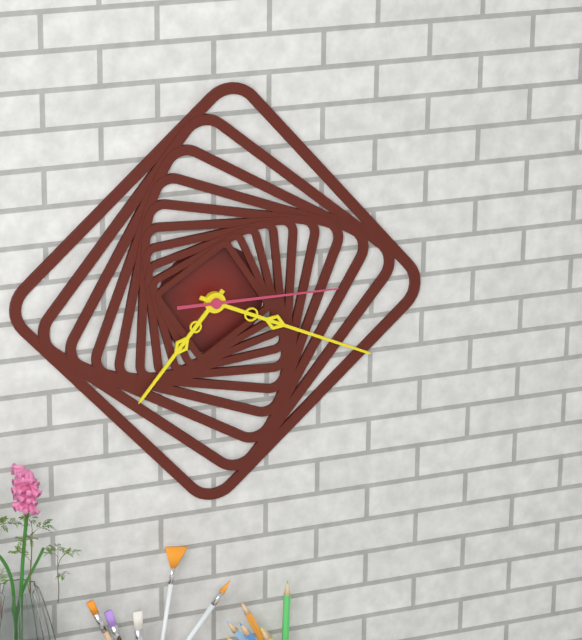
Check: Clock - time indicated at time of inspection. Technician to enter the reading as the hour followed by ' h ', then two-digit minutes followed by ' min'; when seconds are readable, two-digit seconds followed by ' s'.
7 h 19 min 15 s
